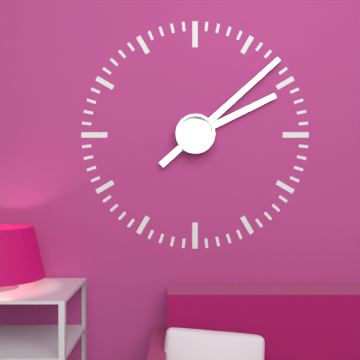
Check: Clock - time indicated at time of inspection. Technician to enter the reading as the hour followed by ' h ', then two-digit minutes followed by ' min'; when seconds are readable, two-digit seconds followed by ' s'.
2 h 08 min
